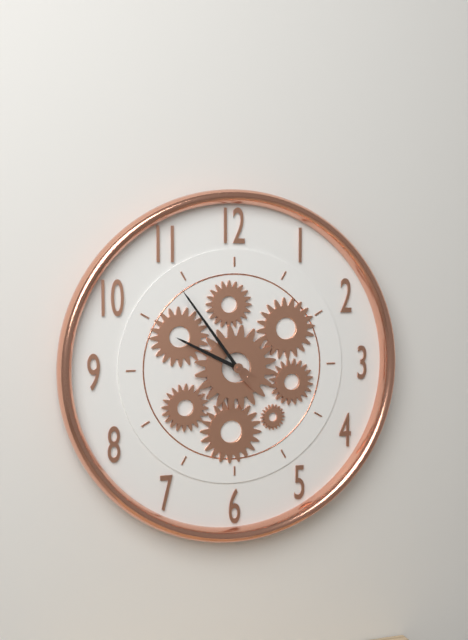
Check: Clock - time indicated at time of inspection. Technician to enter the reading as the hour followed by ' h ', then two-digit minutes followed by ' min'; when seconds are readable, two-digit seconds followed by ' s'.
9 h 54 min
